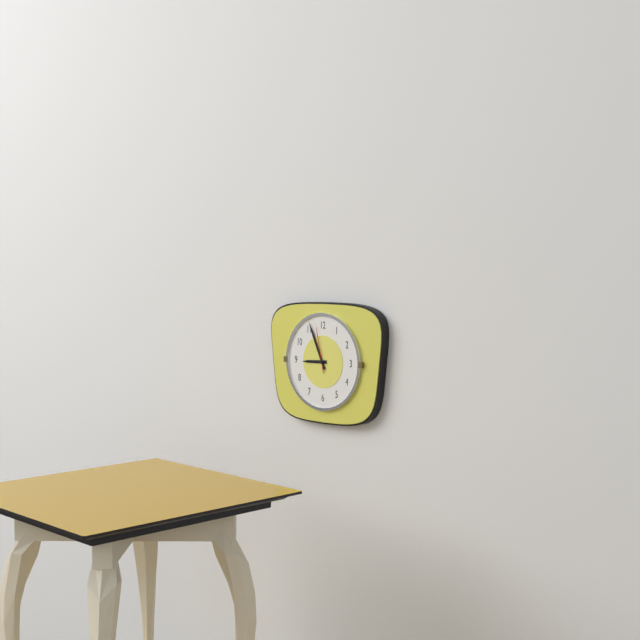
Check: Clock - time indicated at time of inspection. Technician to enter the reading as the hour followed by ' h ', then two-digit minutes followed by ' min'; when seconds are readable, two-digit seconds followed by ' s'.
8 h 56 min
